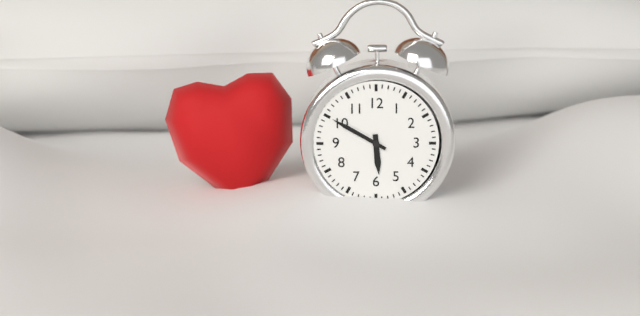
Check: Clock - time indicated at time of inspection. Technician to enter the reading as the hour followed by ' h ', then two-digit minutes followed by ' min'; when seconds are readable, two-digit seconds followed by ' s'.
5 h 50 min
